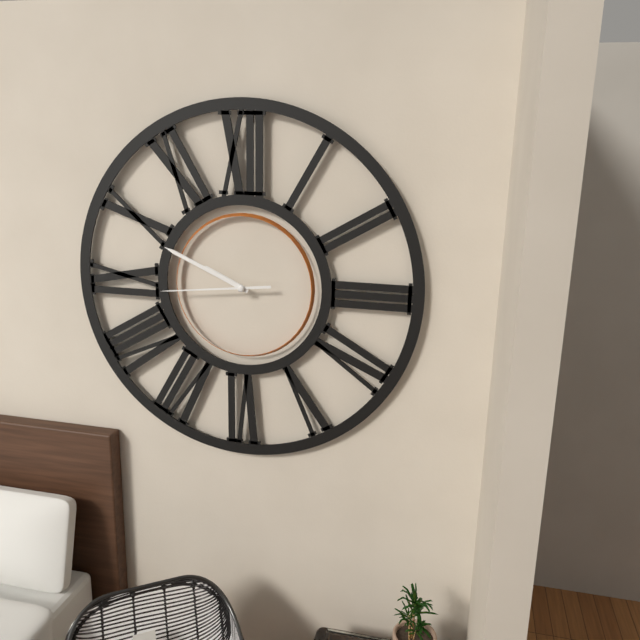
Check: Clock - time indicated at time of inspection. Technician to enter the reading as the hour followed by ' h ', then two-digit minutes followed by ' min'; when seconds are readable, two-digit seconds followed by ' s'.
9 h 49 min 44 s
